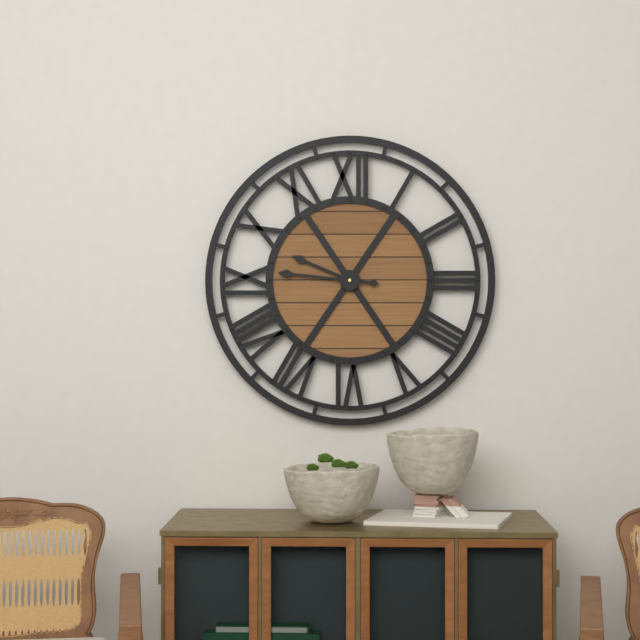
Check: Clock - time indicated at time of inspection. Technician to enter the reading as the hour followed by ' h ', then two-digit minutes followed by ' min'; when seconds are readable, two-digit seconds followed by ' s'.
9 h 46 min
